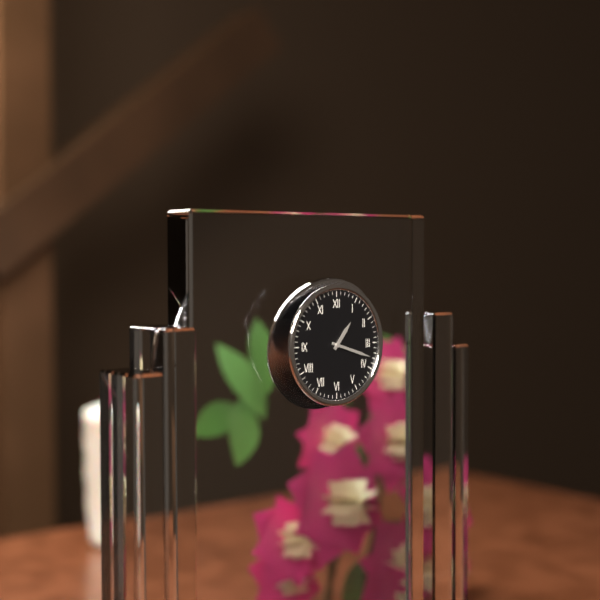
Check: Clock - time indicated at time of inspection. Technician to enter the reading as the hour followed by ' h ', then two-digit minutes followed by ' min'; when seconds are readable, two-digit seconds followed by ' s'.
1 h 18 min
